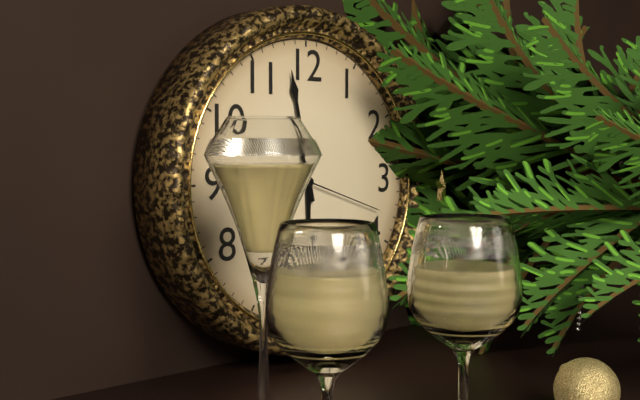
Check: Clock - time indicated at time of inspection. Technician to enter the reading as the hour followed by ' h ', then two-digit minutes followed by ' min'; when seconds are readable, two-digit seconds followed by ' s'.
5 h 58 min 18 s
